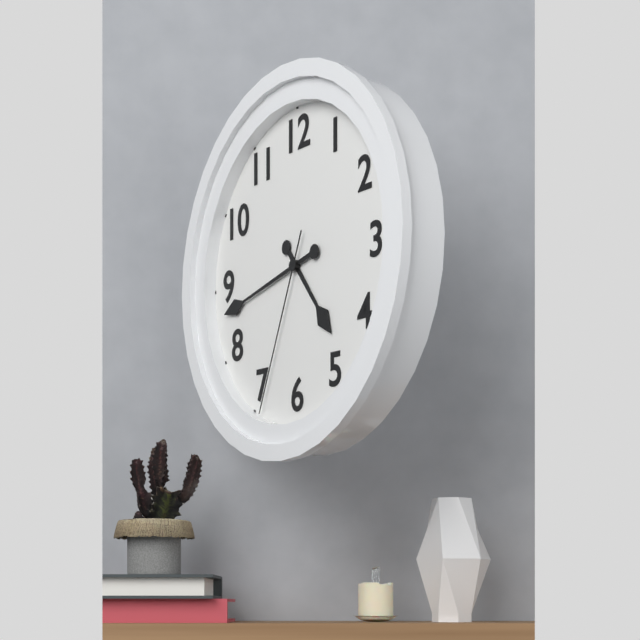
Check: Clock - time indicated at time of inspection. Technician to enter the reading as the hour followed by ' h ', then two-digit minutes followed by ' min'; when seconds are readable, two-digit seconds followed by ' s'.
4 h 43 min 34 s
